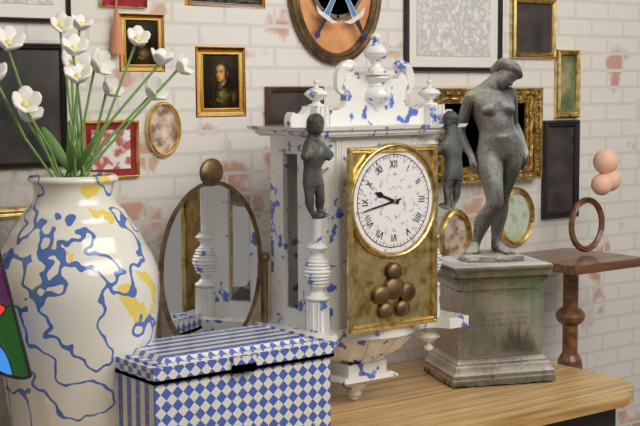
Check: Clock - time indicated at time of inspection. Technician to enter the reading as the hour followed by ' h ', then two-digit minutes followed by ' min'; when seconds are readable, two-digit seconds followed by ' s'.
9 h 43 min
